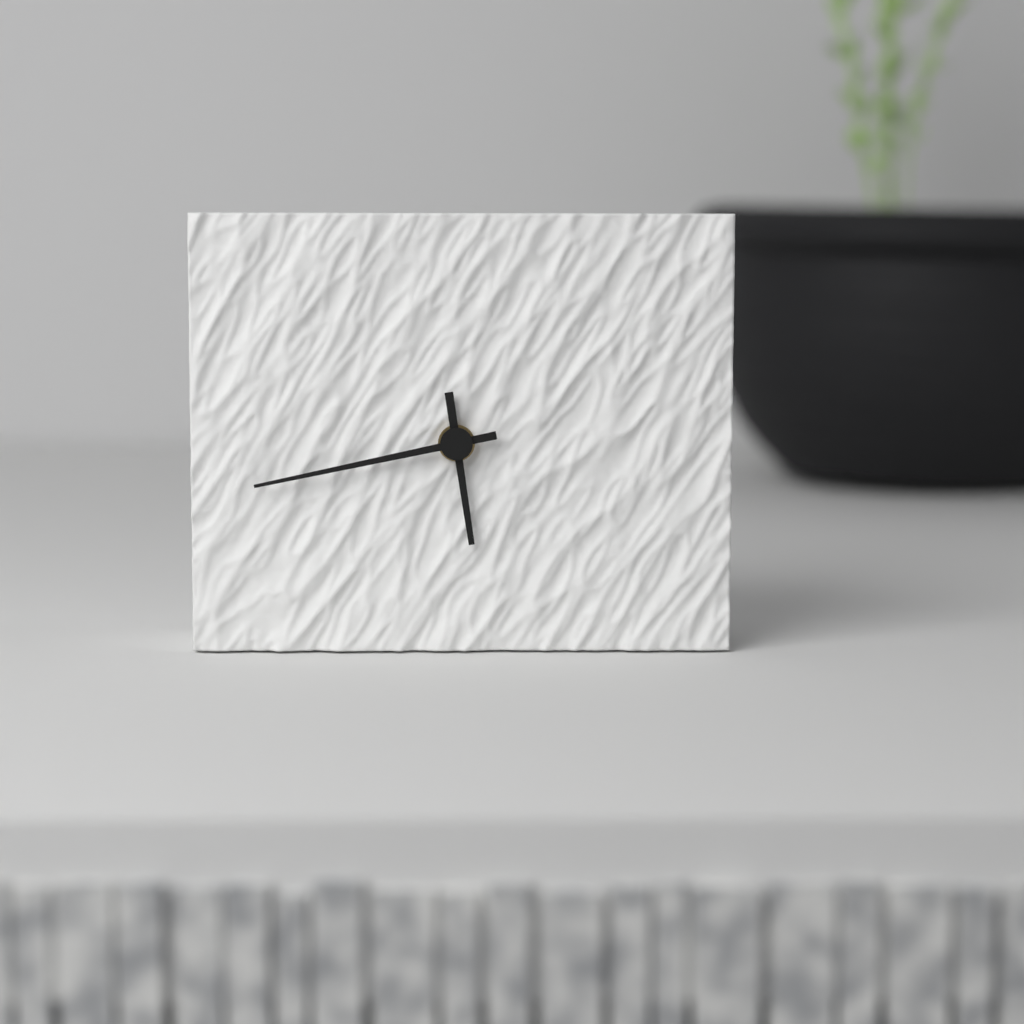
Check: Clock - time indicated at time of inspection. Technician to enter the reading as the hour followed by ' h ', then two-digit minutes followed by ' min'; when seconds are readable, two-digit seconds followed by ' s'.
5 h 43 min
